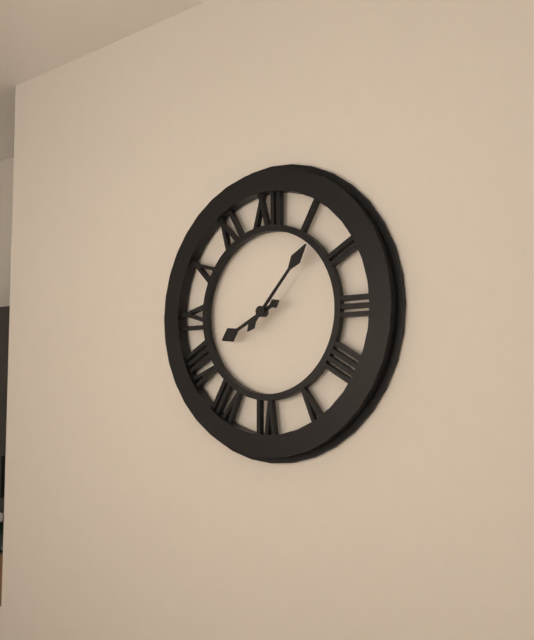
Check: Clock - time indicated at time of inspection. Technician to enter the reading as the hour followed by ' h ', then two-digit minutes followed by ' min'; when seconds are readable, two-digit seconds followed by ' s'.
8 h 07 min
